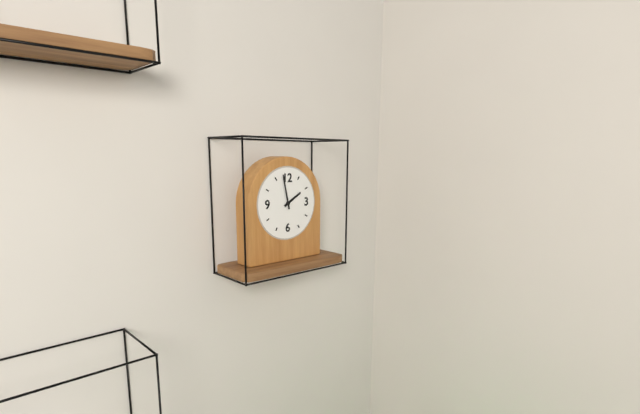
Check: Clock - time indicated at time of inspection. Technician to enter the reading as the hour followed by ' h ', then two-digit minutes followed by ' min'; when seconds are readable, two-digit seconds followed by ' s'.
1 h 58 min
